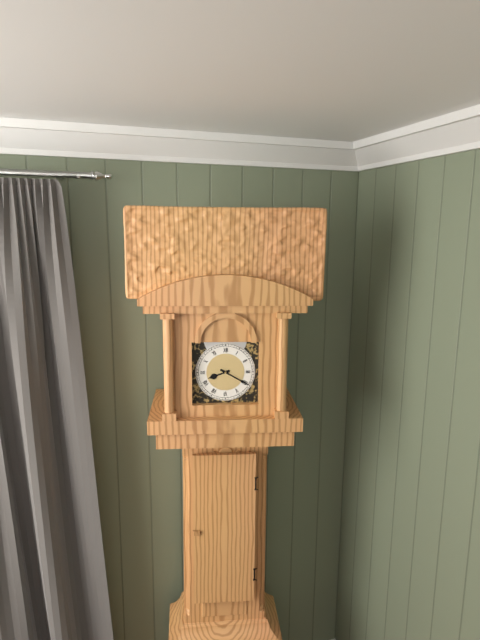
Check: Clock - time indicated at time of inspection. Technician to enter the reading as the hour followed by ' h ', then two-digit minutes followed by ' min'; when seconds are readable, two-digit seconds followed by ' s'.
8 h 20 min
